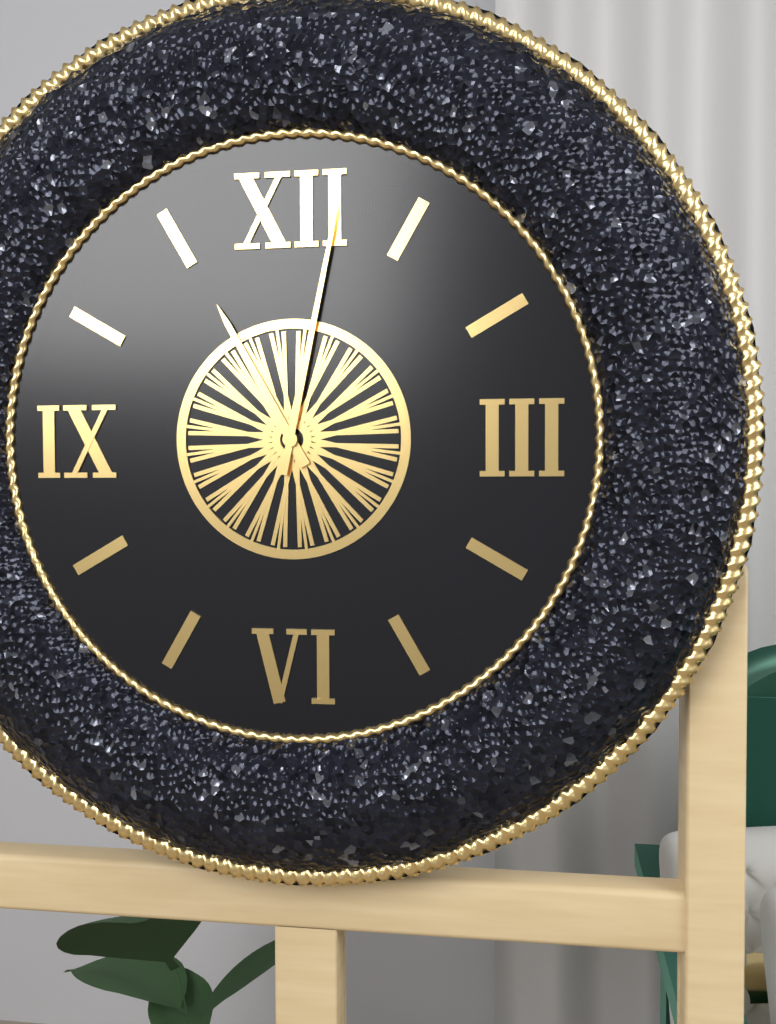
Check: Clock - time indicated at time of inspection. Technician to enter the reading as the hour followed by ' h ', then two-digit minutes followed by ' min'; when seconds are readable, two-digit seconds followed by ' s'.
11 h 02 min
